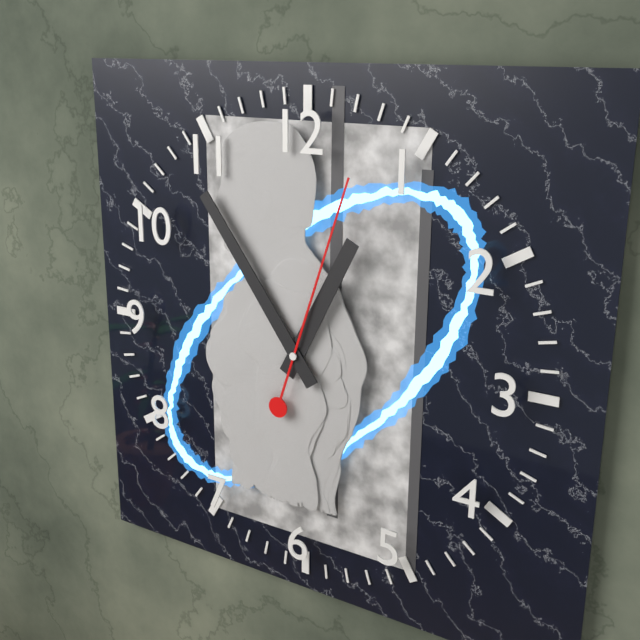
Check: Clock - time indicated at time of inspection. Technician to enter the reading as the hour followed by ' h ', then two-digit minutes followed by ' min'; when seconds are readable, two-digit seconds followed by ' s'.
12 h 54 min 03 s
